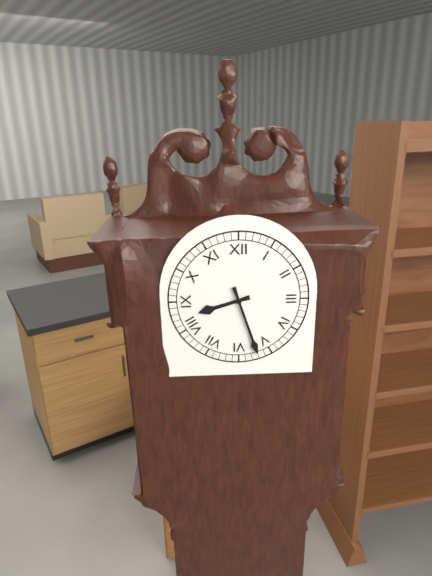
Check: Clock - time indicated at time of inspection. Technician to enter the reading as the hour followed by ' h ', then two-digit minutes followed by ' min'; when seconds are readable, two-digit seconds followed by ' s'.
8 h 27 min
